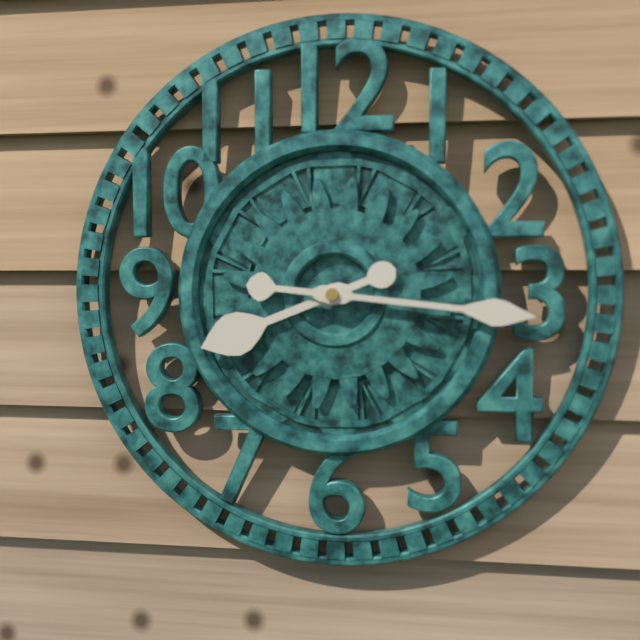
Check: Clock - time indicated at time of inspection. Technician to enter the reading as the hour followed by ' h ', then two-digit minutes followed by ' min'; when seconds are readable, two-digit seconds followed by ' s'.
8 h 16 min
